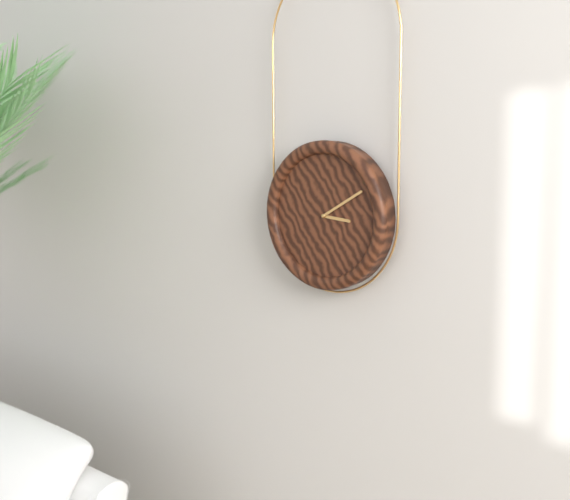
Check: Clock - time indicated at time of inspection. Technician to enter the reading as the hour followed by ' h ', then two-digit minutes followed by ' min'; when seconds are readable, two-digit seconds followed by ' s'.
3 h 10 min
